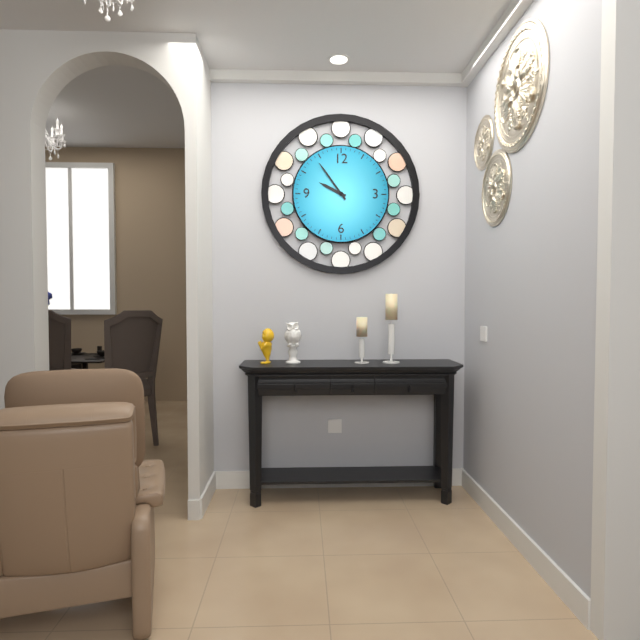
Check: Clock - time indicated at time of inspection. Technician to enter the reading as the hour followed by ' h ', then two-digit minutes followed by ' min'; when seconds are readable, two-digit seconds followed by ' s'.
9 h 54 min
